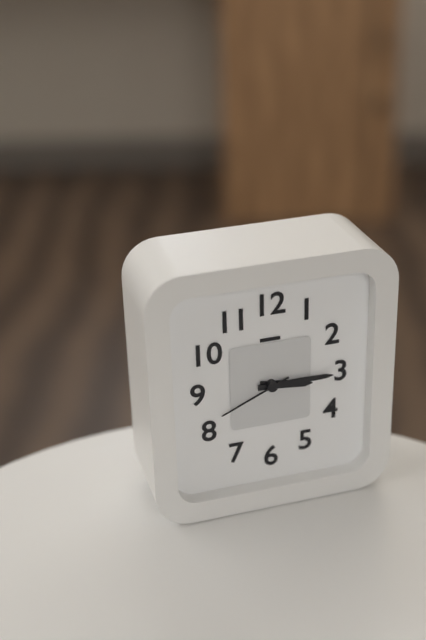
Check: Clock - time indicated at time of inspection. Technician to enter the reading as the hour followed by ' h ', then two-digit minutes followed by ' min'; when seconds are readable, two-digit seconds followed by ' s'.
3 h 15 min 41 s
